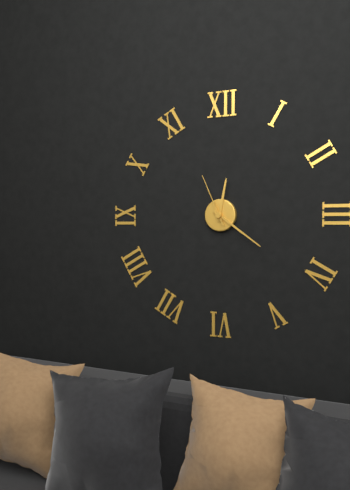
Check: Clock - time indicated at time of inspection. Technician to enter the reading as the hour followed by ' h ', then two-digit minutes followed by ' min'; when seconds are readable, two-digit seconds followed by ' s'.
12 h 21 min 56 s
